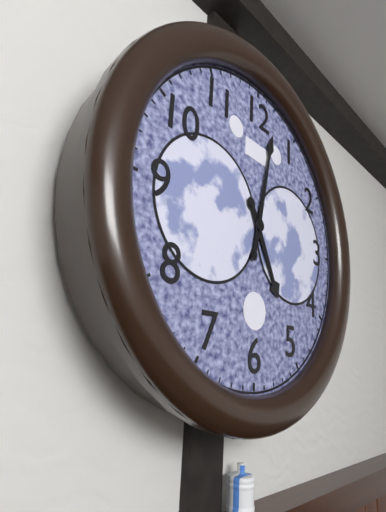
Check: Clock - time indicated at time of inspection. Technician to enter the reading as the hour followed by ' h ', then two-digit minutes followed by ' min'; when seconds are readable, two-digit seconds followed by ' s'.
5 h 02 min
